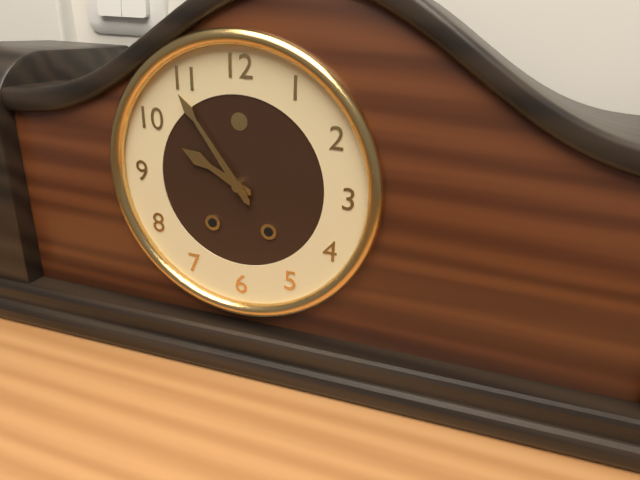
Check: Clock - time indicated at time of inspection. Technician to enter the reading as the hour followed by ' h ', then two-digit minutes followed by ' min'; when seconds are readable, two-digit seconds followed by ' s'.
9 h 54 min
